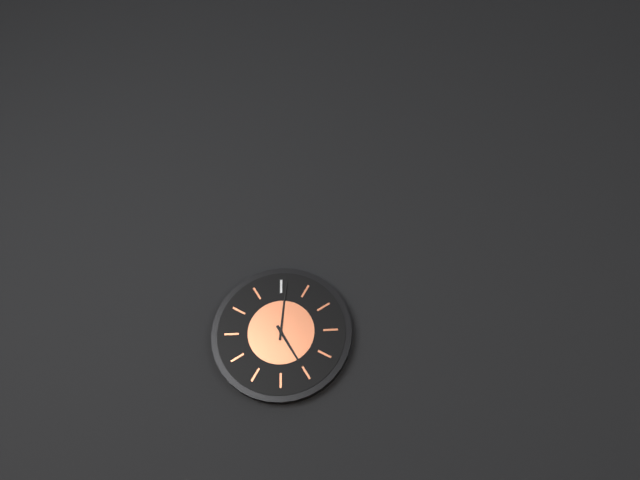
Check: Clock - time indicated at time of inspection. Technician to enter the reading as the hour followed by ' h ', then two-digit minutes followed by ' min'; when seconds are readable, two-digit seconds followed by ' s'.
5 h 01 min
